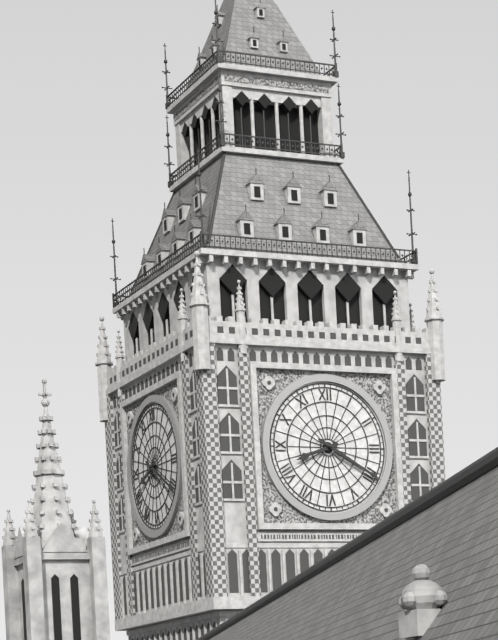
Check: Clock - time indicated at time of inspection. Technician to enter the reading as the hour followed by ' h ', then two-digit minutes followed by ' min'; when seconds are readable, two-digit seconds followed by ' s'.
8 h 20 min
